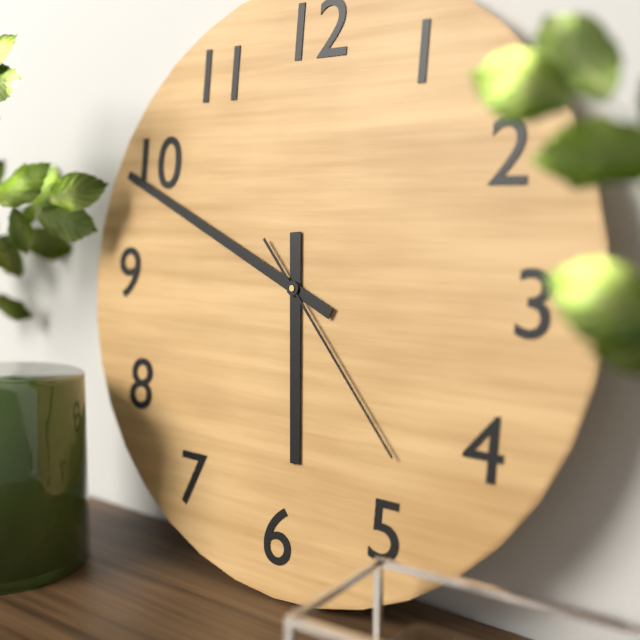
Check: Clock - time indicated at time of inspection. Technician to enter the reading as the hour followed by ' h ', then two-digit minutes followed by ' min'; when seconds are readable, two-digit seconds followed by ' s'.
5 h 49 min 23 s
